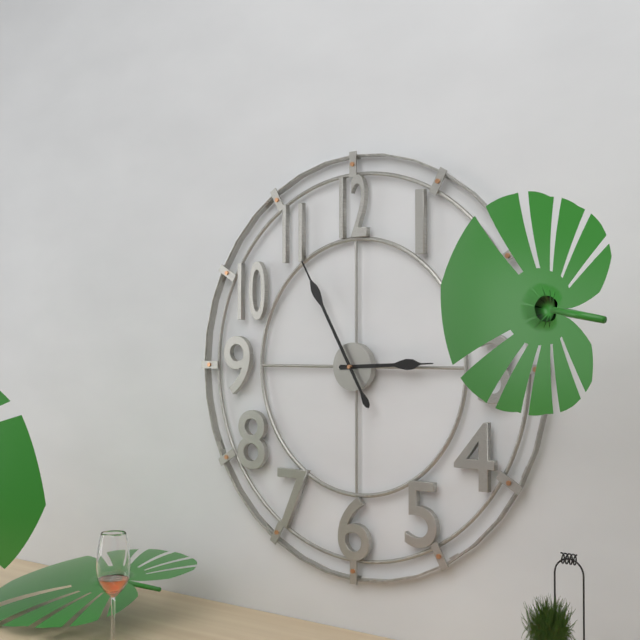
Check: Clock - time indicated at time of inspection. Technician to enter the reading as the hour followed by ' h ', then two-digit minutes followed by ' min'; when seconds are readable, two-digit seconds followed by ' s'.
2 h 55 min
